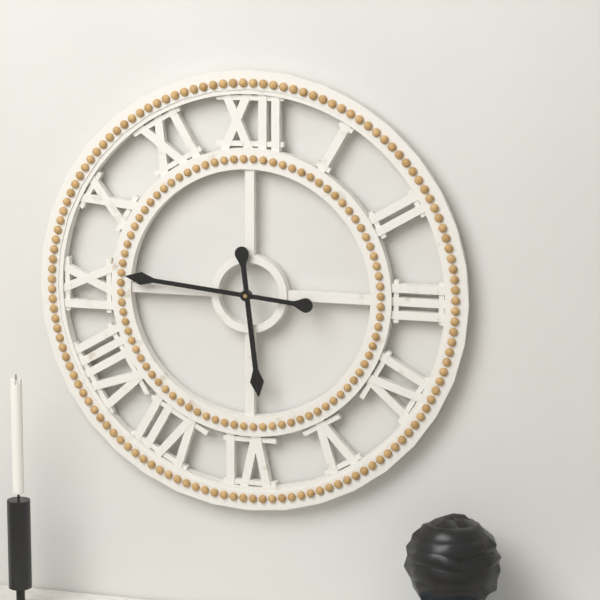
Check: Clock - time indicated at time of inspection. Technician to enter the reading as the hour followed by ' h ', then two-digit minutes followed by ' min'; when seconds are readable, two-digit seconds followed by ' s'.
5 h 46 min
